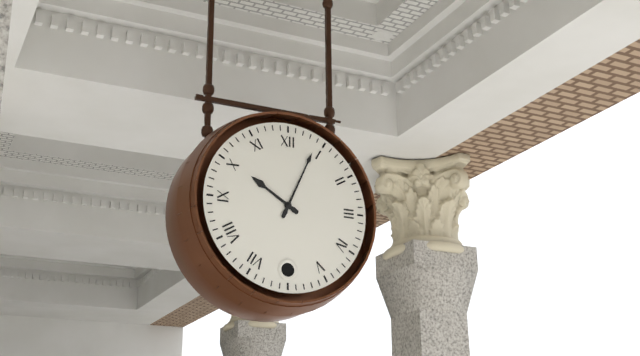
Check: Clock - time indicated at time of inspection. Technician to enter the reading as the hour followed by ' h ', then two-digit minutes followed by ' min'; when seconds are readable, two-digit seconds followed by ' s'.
10 h 04 min
